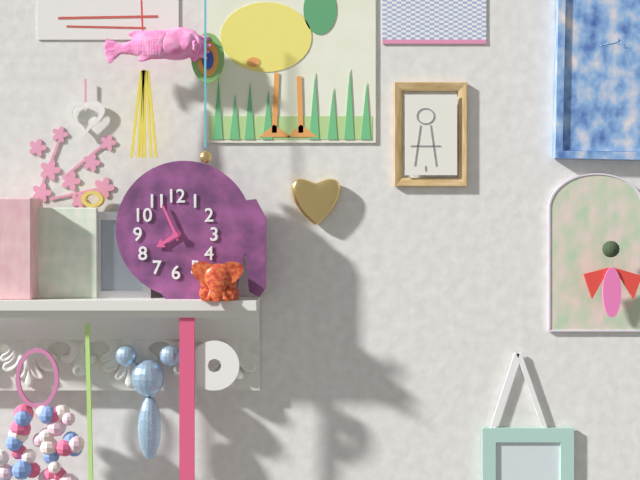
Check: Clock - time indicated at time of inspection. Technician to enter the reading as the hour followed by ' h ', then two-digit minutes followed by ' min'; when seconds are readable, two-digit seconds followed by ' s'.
7 h 56 min
